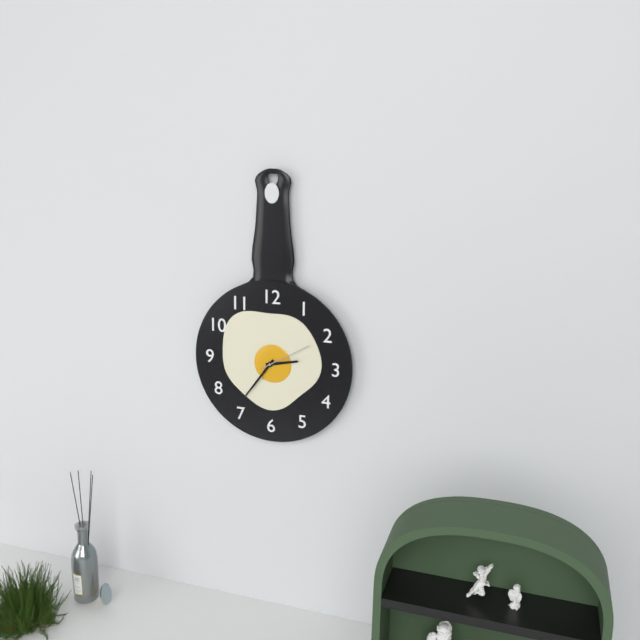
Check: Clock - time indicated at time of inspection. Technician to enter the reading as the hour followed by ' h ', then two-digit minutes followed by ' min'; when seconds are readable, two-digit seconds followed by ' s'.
2 h 36 min
